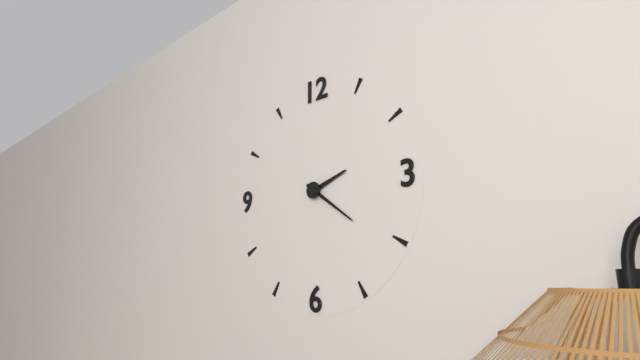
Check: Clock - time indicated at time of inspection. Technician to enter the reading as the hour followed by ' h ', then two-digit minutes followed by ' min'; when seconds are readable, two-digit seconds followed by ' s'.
2 h 21 min
